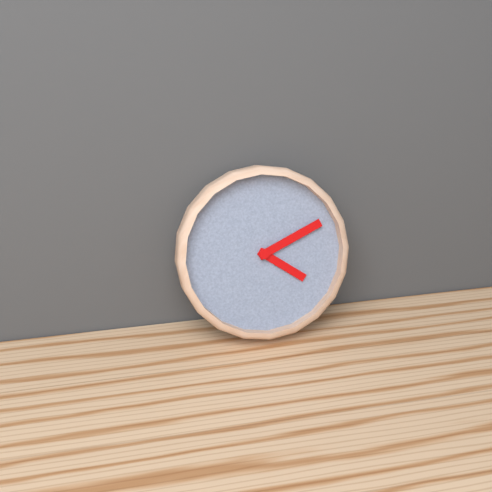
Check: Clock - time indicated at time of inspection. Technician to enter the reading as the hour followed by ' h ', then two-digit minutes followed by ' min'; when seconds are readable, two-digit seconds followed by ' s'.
4 h 11 min
